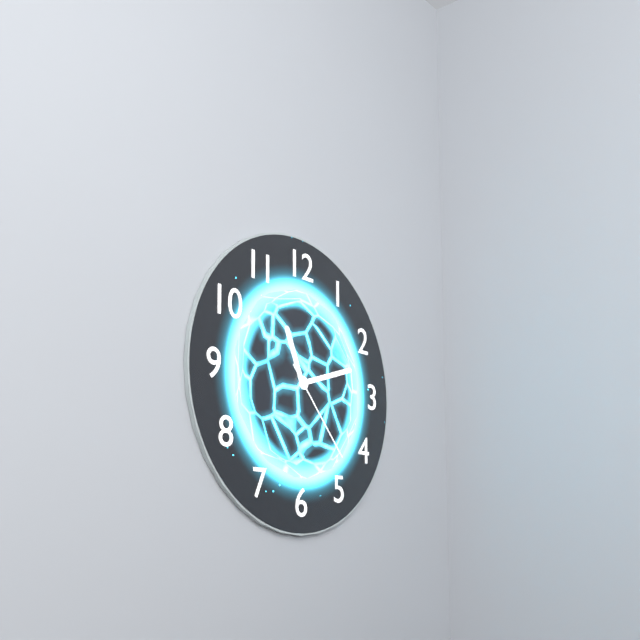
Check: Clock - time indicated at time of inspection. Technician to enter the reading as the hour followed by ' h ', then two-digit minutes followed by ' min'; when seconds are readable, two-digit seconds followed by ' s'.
11 h 12 min 23 s
